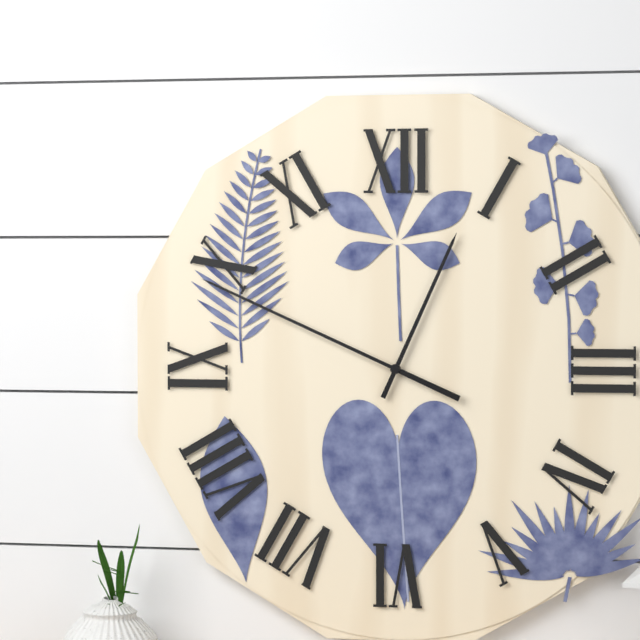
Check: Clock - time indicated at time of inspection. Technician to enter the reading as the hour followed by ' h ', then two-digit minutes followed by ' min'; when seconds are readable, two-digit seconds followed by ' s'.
12 h 49 min
